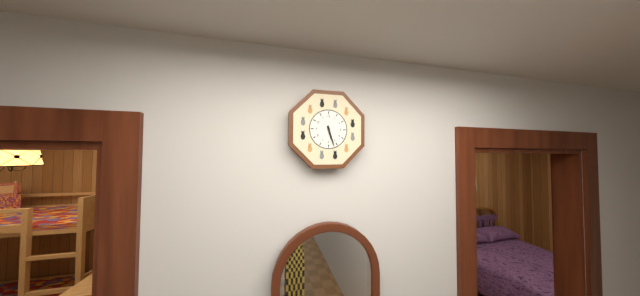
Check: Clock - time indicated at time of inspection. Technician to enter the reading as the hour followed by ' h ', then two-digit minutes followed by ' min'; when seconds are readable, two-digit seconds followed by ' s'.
5 h 27 min
